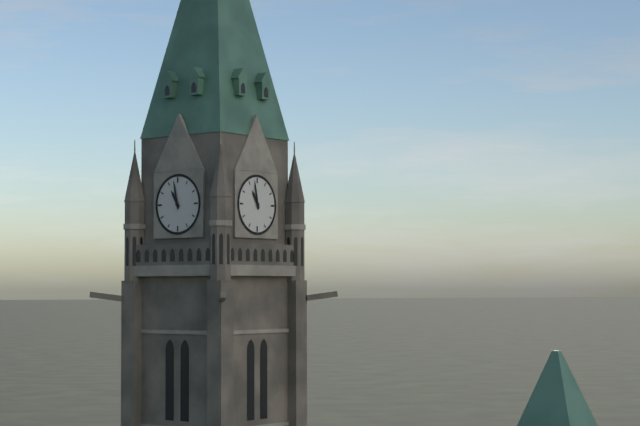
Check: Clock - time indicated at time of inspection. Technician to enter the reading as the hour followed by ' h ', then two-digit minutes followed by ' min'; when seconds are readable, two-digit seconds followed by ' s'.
10 h 58 min
